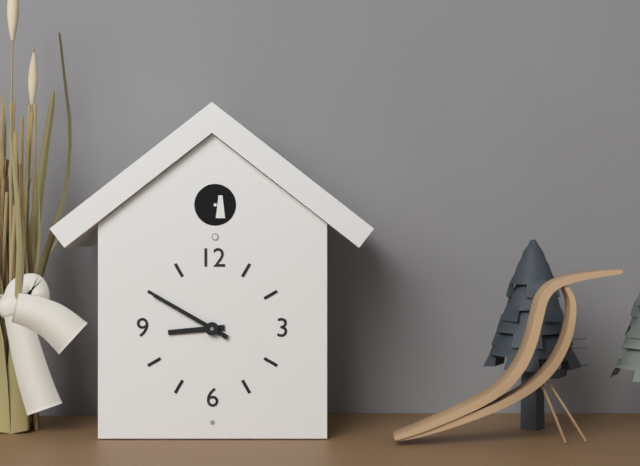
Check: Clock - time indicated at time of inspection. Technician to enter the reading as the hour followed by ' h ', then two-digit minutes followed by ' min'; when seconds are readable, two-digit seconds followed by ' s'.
8 h 50 min
